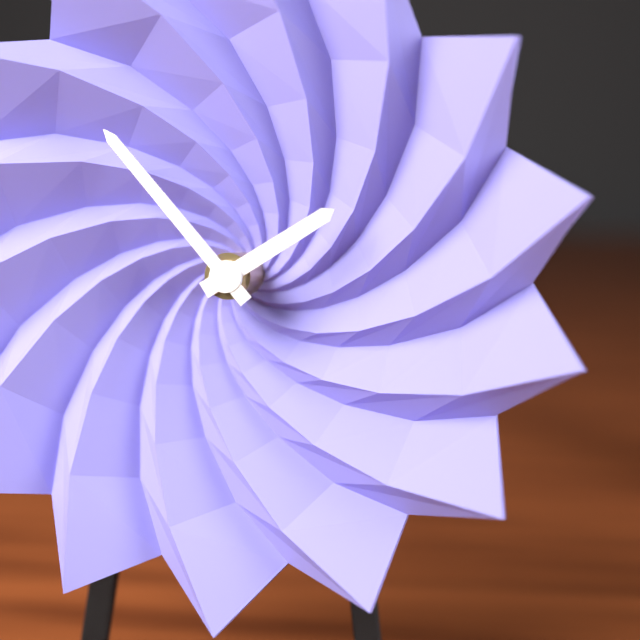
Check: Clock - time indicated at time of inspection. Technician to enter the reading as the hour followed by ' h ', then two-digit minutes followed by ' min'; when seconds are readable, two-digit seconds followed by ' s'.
1 h 53 min
